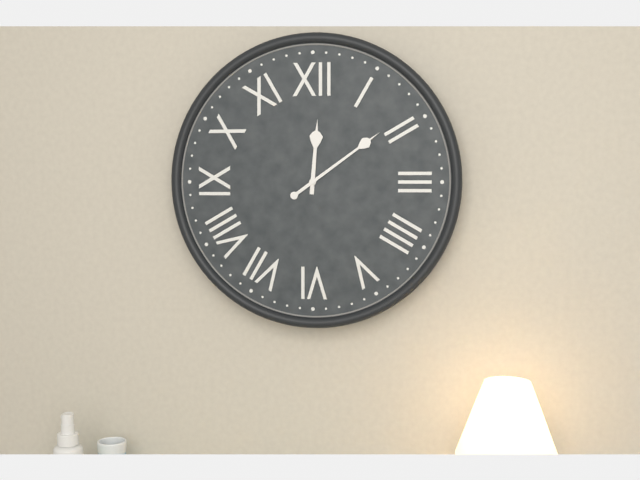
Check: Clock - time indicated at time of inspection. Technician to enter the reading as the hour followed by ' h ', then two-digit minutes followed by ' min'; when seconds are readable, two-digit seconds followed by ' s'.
12 h 09 min
